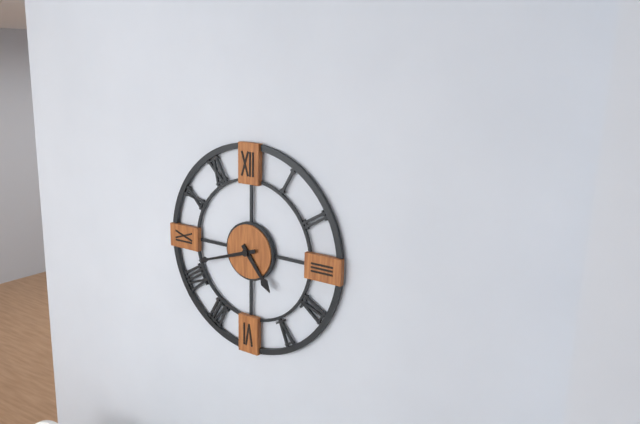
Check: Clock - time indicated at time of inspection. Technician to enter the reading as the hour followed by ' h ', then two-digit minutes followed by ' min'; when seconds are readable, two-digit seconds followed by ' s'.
4 h 42 min
